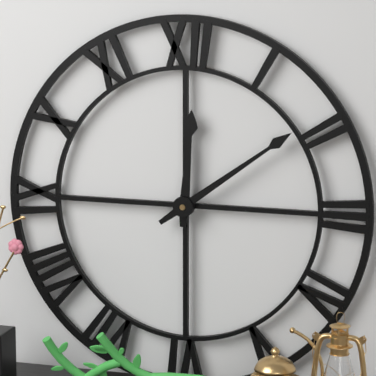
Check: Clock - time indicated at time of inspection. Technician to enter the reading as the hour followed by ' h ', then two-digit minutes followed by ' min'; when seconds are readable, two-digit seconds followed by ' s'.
12 h 09 min
